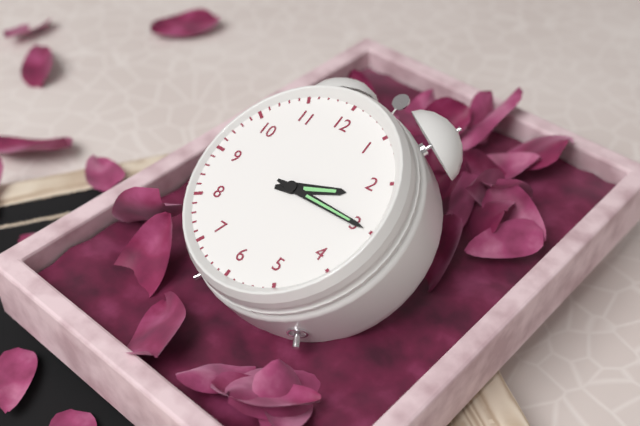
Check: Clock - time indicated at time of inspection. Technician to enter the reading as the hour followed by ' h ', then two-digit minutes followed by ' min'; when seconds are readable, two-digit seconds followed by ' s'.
2 h 15 min
